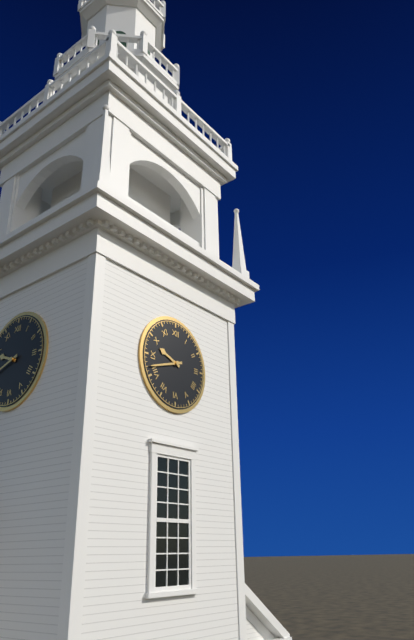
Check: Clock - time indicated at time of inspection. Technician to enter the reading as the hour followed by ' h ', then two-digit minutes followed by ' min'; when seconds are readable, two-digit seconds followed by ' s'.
9 h 42 min
